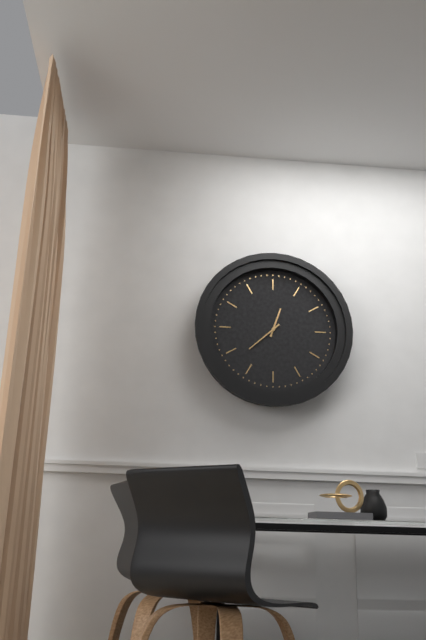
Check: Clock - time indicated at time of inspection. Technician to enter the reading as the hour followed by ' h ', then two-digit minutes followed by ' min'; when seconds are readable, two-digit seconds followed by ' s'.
12 h 38 min
